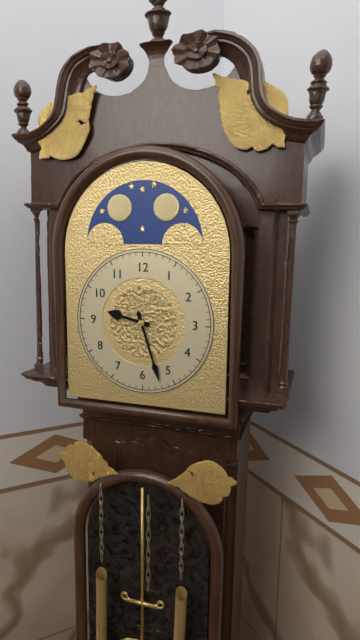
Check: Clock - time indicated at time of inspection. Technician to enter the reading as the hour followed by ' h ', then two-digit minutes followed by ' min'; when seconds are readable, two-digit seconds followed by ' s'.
9 h 27 min
